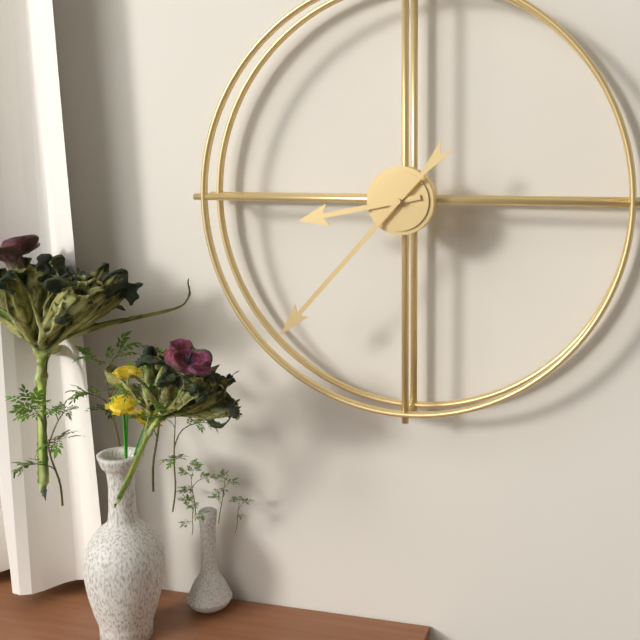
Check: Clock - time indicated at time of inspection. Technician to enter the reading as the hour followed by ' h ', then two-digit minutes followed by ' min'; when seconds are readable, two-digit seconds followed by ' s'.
8 h 37 min
